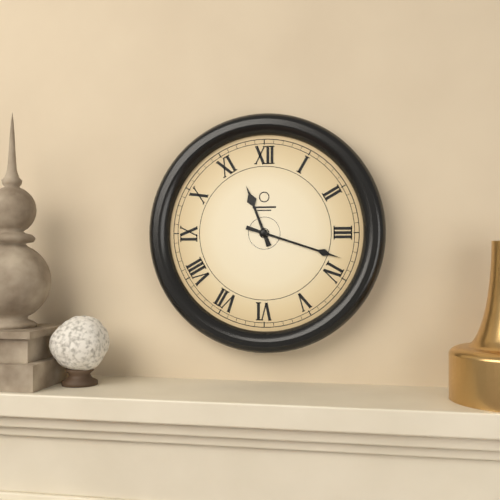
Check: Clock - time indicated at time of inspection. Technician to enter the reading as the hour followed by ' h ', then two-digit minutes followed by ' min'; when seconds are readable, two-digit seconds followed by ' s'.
11 h 18 min
